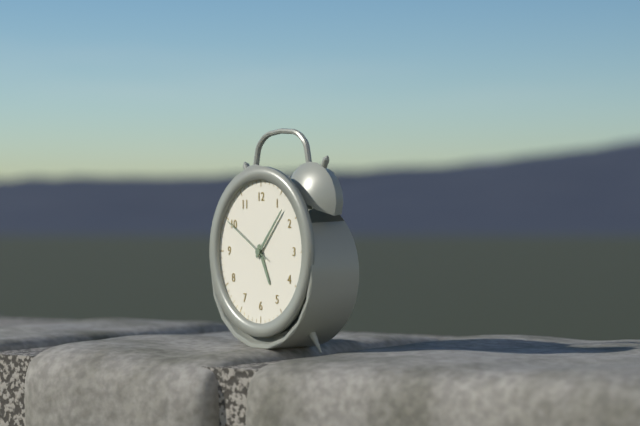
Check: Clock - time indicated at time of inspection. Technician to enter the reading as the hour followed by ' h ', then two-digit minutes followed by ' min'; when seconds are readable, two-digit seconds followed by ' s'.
5 h 07 min 50 s
